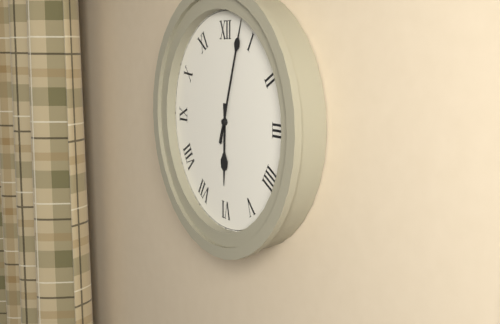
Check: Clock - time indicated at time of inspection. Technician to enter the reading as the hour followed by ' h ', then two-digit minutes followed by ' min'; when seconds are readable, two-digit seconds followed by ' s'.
6 h 03 min
